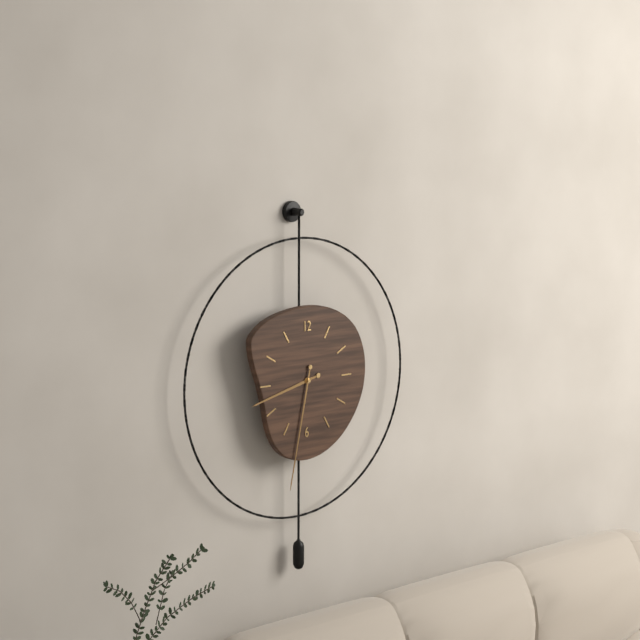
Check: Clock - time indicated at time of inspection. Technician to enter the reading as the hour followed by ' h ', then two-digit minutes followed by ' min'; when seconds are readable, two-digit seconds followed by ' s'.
8 h 32 min
